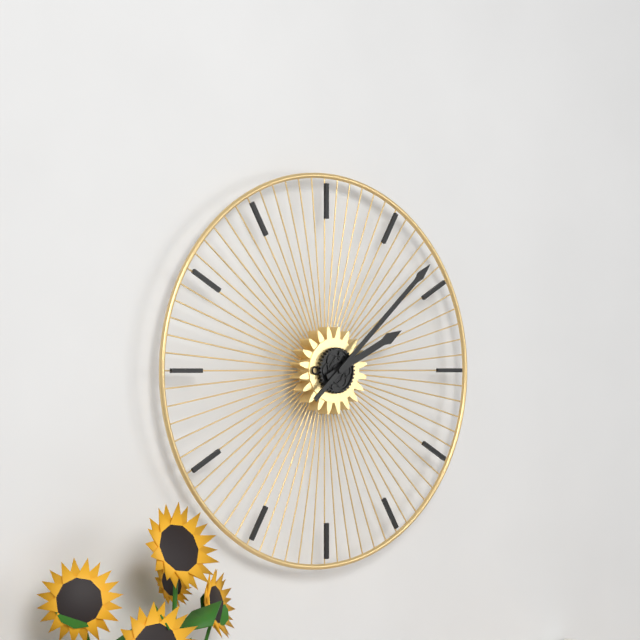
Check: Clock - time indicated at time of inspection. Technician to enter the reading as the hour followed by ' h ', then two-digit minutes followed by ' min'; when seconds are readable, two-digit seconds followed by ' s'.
2 h 08 min
